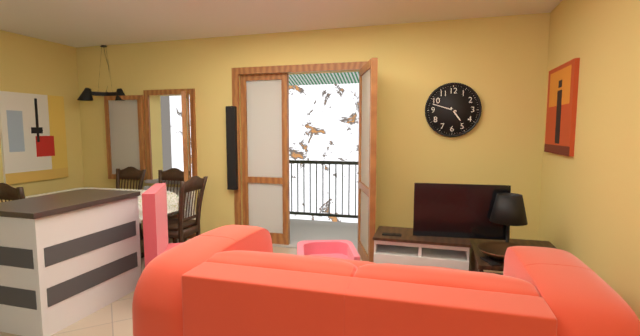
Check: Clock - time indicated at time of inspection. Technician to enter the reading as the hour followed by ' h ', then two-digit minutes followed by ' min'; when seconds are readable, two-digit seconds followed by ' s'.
4 h 48 min
